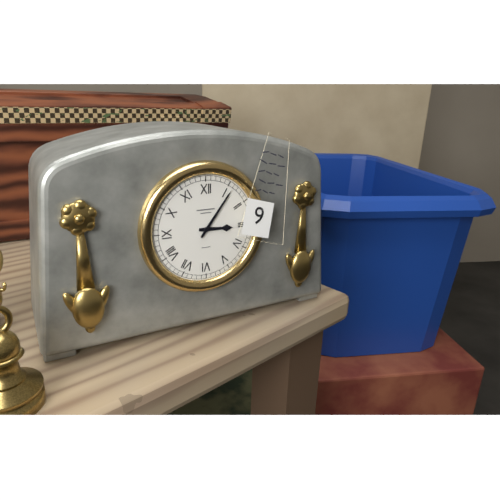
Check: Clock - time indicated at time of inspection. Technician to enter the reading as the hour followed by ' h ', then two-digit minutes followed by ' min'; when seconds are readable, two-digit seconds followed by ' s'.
3 h 06 min
